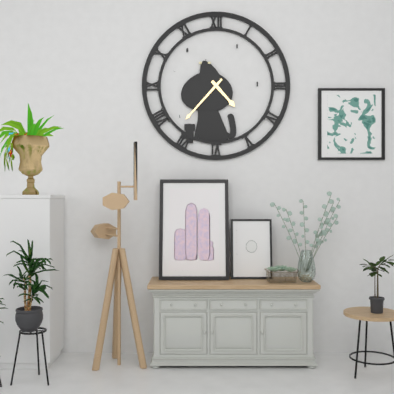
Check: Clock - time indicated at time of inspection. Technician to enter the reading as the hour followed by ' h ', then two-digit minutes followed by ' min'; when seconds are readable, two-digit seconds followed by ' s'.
4 h 37 min
